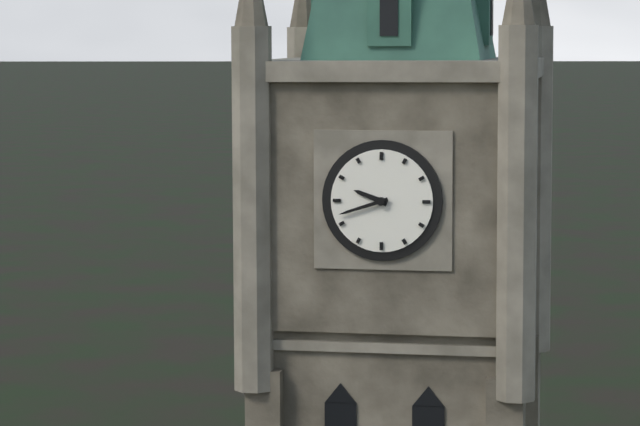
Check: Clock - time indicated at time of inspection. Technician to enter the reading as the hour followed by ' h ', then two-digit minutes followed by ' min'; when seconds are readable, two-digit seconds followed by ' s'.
9 h 42 min
